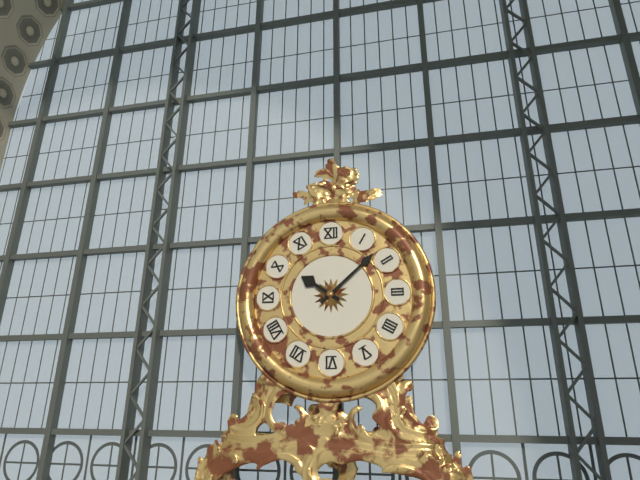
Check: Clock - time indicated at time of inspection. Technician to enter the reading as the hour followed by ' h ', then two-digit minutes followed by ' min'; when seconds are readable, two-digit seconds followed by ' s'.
10 h 08 min
